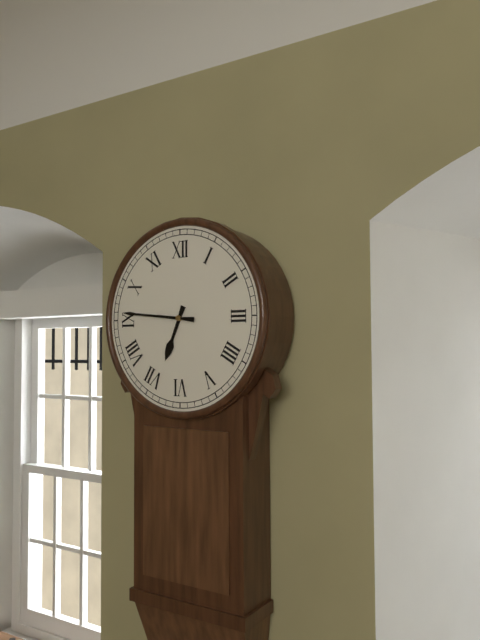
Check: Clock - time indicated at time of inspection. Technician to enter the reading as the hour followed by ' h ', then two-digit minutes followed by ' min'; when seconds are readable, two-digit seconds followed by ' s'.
6 h 46 min
